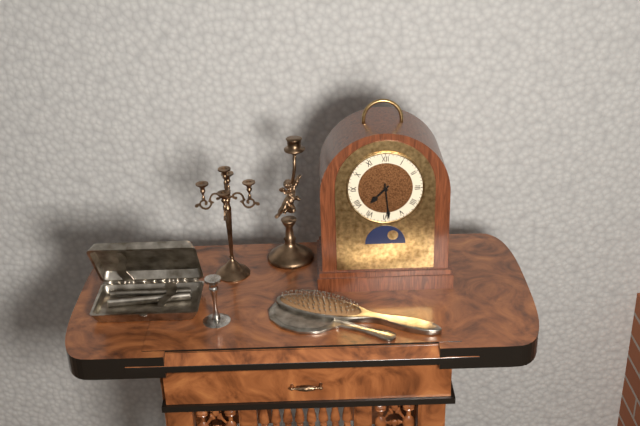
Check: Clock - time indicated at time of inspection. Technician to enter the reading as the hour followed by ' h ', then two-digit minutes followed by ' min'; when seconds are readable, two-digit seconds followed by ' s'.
7 h 29 min
